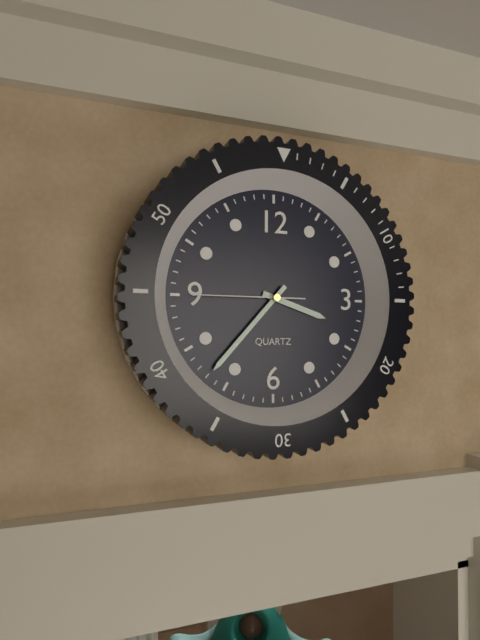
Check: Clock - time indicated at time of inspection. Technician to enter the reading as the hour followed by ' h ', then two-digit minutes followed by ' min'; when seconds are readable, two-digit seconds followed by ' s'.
3 h 37 min 45 s
